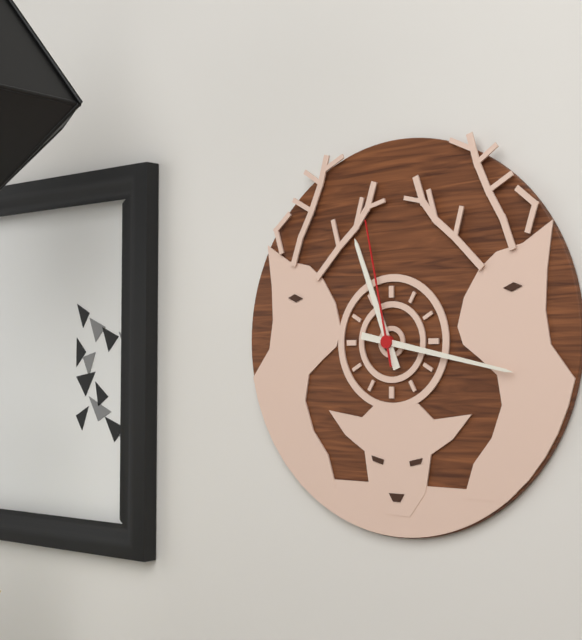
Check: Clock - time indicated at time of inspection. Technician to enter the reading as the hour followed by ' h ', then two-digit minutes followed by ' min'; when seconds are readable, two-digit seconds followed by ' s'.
11 h 17 min 58 s
